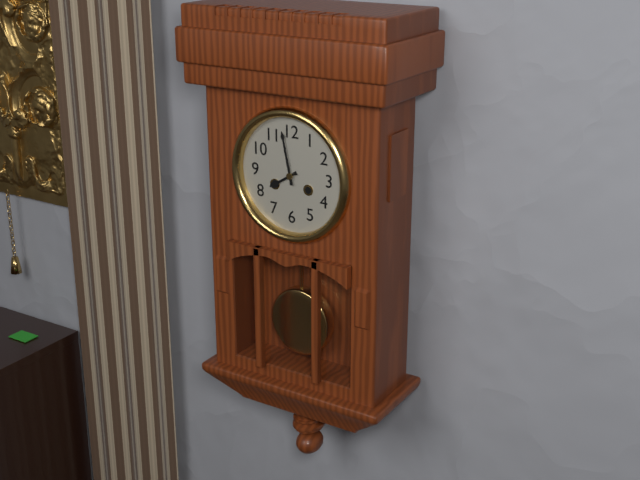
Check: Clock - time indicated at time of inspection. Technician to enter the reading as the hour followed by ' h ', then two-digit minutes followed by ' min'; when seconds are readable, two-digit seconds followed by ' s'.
7 h 58 min
